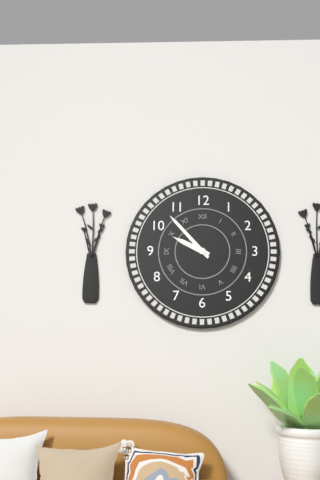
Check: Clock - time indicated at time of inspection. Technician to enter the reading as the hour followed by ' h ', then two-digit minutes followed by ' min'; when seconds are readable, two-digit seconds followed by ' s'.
9 h 53 min
